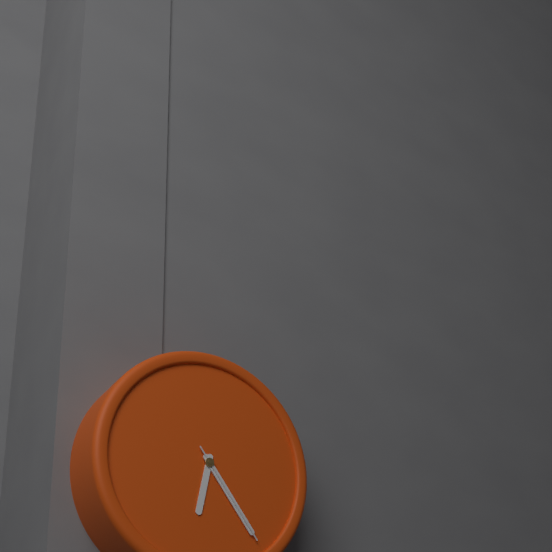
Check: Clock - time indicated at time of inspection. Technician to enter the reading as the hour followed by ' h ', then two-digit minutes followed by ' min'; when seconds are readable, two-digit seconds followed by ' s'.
6 h 24 min 24 s
